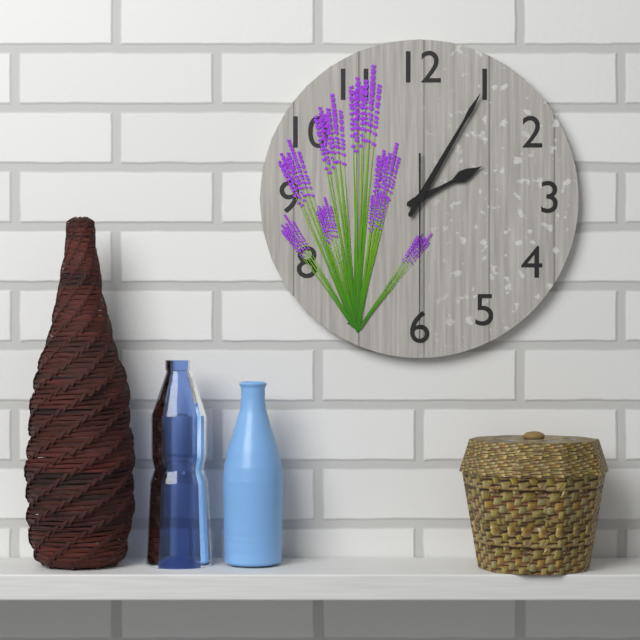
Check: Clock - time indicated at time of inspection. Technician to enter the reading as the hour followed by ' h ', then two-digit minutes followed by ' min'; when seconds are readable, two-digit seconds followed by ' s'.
2 h 05 min 30 s
